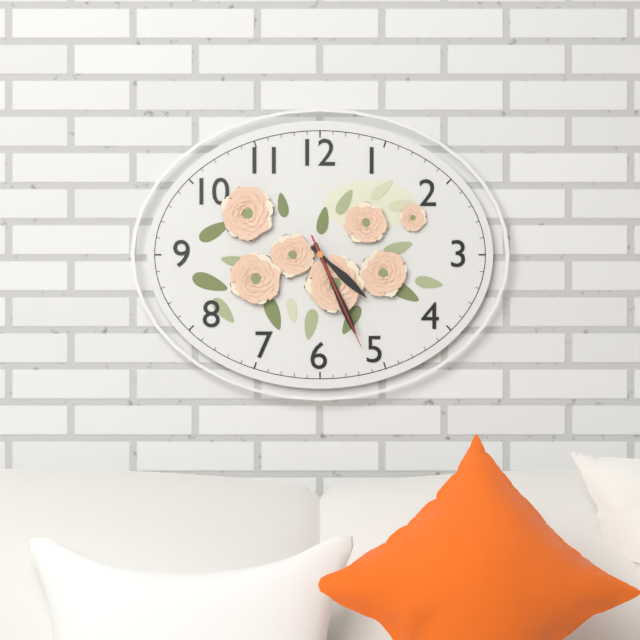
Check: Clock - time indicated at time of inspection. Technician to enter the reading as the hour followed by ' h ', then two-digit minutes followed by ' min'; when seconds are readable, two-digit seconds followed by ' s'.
4 h 26 min 26 s
